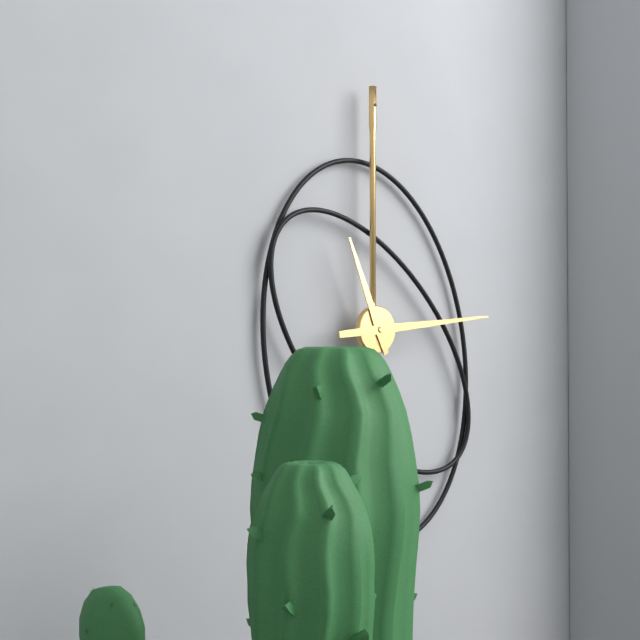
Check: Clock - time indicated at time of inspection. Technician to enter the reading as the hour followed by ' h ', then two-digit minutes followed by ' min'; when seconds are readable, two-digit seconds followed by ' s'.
11 h 14 min
